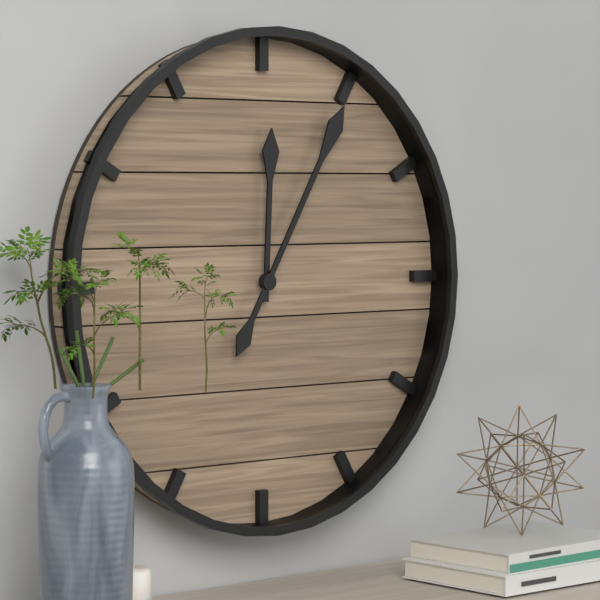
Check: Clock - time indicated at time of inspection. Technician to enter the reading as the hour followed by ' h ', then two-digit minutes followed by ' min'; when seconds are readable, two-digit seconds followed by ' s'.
12 h 05 min
